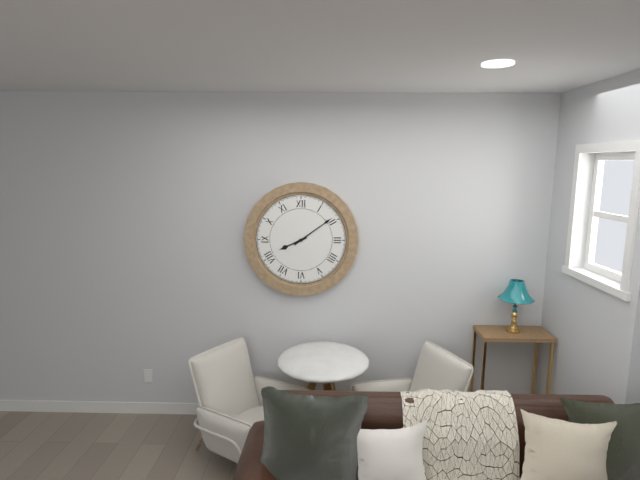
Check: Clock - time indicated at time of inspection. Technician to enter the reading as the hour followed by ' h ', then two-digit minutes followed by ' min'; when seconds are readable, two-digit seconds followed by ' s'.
8 h 09 min
